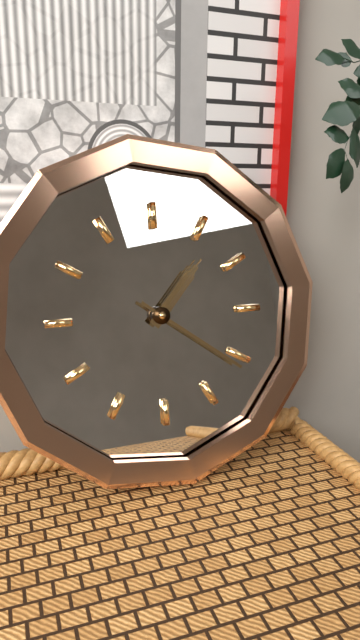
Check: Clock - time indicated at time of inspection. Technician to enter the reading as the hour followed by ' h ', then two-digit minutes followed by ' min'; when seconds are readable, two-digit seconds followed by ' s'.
1 h 21 min
